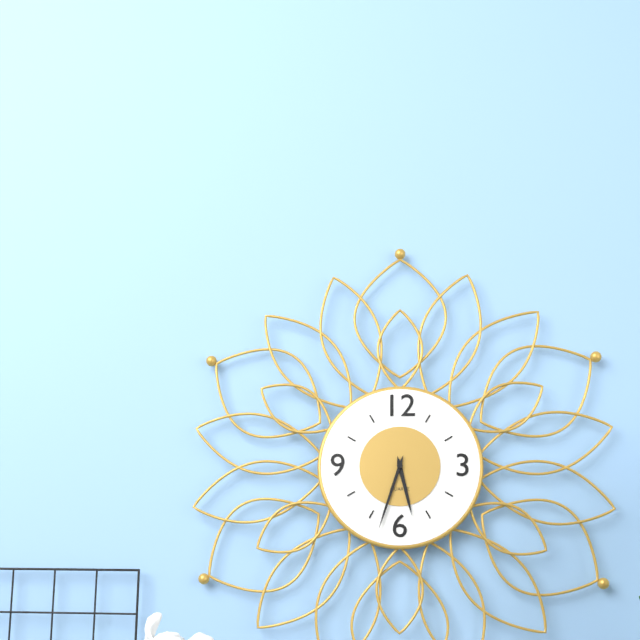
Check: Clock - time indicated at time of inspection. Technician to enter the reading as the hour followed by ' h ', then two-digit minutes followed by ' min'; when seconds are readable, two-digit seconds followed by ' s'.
5 h 33 min
